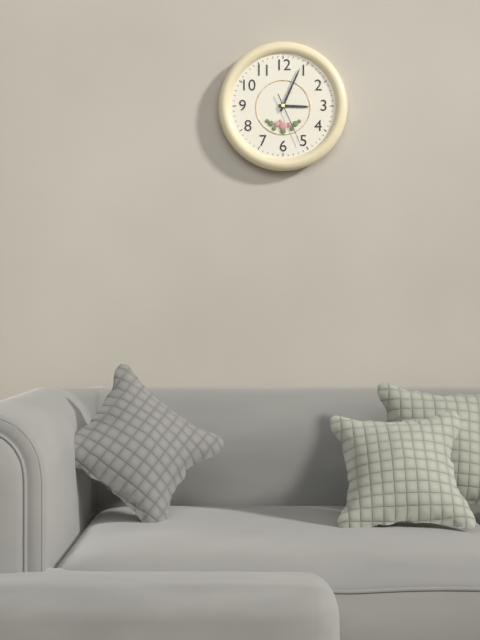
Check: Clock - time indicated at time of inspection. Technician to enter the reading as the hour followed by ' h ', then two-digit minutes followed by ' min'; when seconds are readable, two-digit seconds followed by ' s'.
3 h 04 min 26 s
